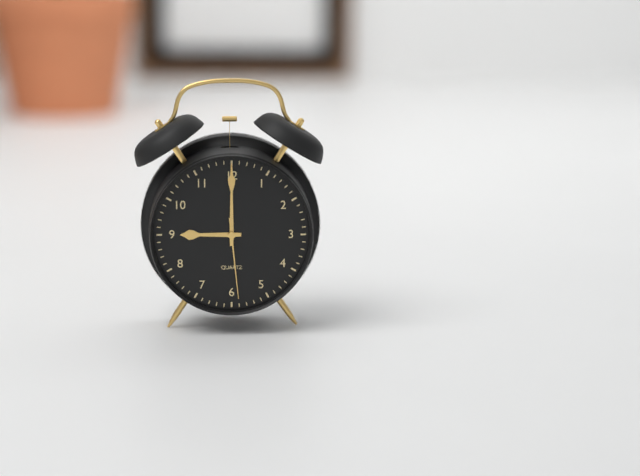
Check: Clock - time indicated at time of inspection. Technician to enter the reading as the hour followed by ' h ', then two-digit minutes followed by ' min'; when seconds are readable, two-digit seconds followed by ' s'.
9 h 00 min 29 s
